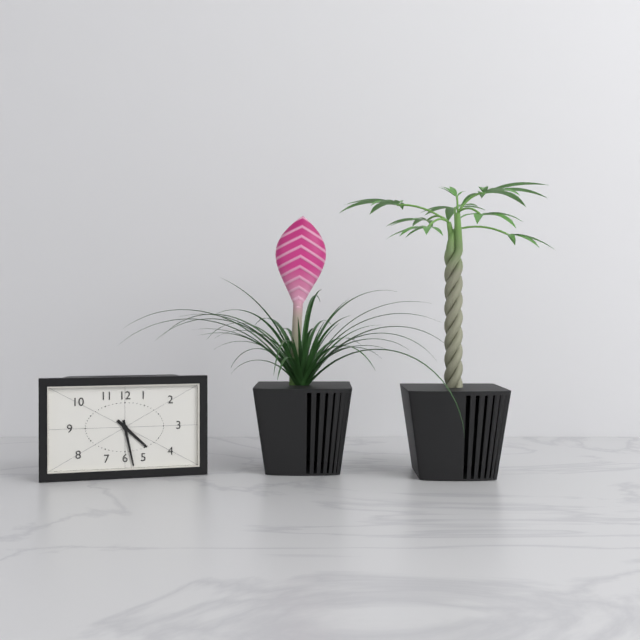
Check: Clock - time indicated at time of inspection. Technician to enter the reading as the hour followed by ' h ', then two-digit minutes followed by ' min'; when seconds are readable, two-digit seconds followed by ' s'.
4 h 28 min
